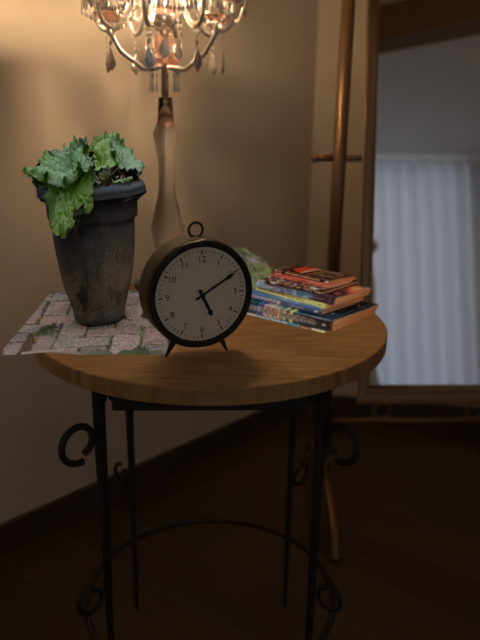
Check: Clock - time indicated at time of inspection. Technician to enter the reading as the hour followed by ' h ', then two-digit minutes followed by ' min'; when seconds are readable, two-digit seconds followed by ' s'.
5 h 10 min
